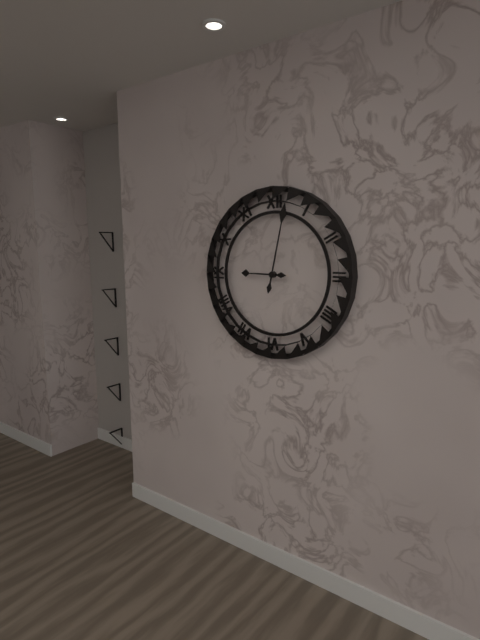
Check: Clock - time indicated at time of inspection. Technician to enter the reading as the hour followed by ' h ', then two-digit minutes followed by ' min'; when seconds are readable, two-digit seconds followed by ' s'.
9 h 02 min
